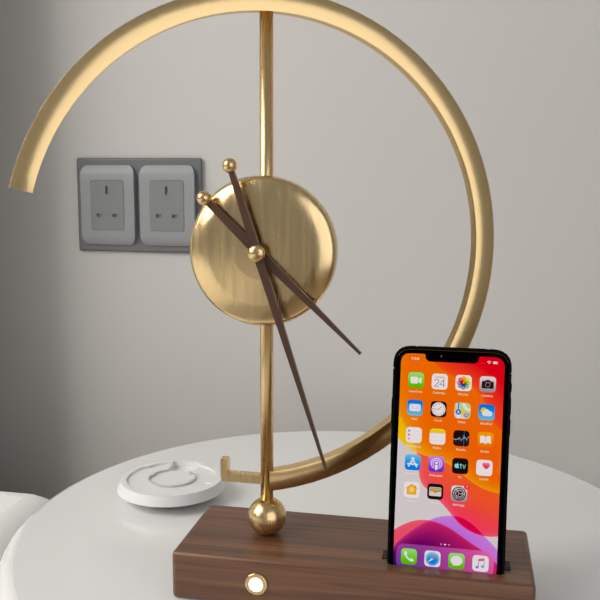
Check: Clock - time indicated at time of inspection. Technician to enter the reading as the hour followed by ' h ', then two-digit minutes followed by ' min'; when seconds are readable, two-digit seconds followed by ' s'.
4 h 27 min
